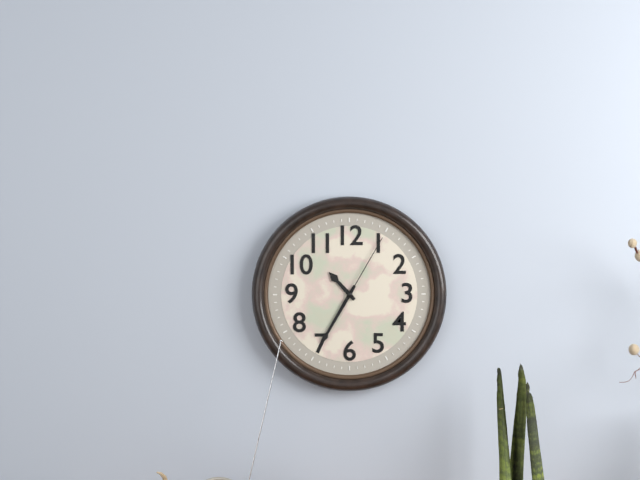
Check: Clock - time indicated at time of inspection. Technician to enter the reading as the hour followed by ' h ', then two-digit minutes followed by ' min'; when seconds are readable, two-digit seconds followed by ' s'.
10 h 35 min 05 s
